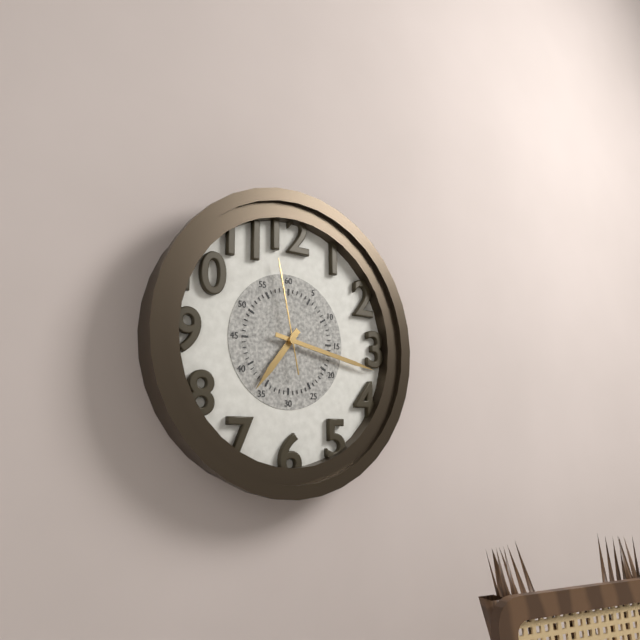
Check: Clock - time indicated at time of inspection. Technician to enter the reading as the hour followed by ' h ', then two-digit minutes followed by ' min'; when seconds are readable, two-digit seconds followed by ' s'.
7 h 17 min 58 s
